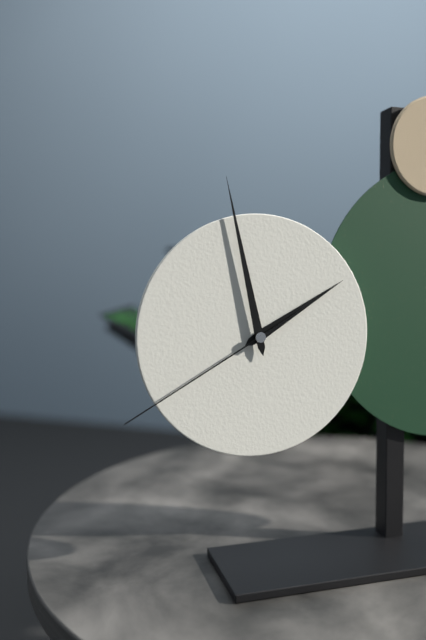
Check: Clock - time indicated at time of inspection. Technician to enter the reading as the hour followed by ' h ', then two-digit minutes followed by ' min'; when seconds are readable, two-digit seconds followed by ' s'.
1 h 58 min 40 s
